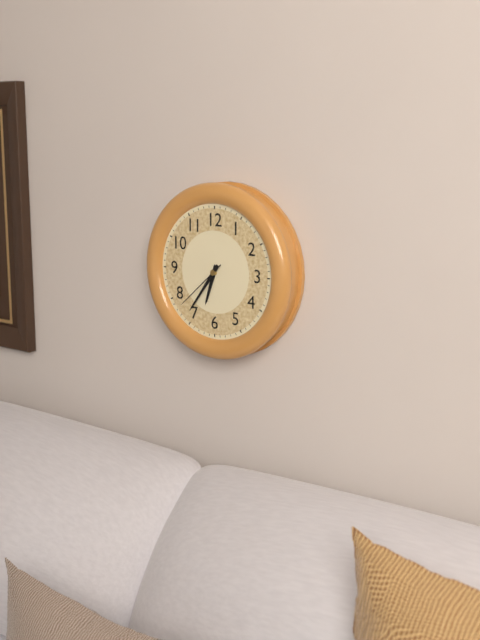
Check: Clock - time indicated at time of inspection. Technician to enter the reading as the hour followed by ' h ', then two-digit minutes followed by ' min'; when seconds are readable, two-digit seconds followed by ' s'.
6 h 36 min 38 s
